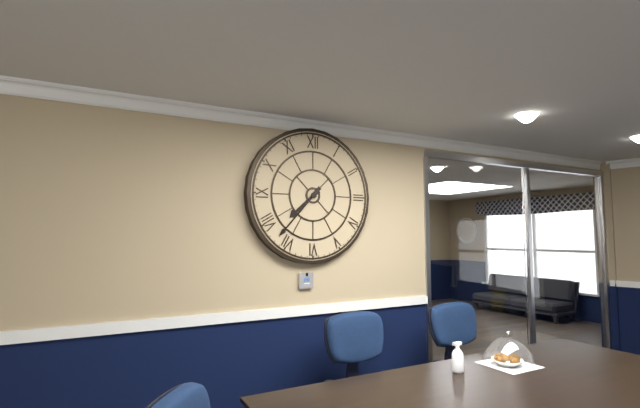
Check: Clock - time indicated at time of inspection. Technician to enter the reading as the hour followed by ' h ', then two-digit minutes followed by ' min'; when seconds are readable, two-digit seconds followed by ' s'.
7 h 37 min
